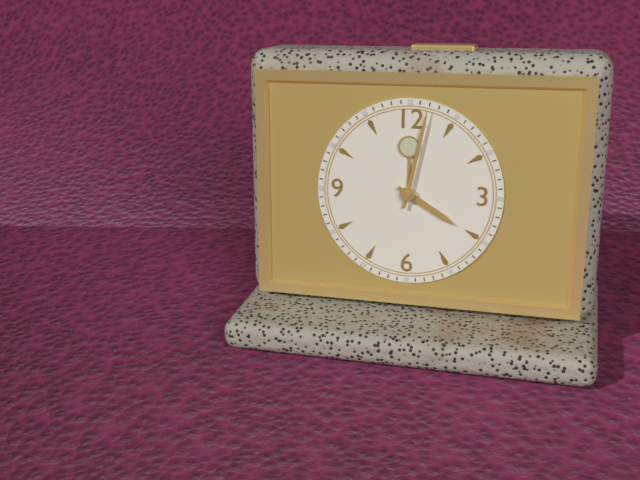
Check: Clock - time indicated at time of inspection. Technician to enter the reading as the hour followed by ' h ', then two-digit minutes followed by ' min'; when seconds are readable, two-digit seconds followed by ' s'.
4 h 02 min
